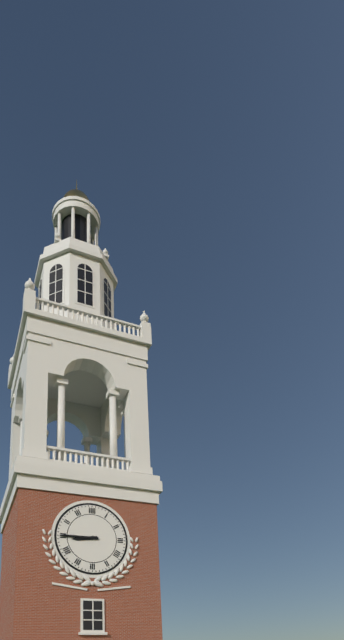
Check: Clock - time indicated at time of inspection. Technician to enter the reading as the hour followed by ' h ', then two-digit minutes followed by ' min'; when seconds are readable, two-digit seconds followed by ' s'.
8 h 45 min
